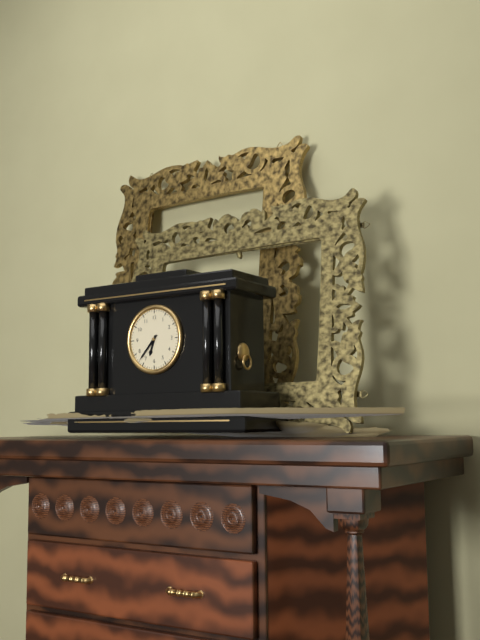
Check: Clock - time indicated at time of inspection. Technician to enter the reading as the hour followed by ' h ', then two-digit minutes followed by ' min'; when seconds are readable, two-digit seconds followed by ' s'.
6 h 37 min
